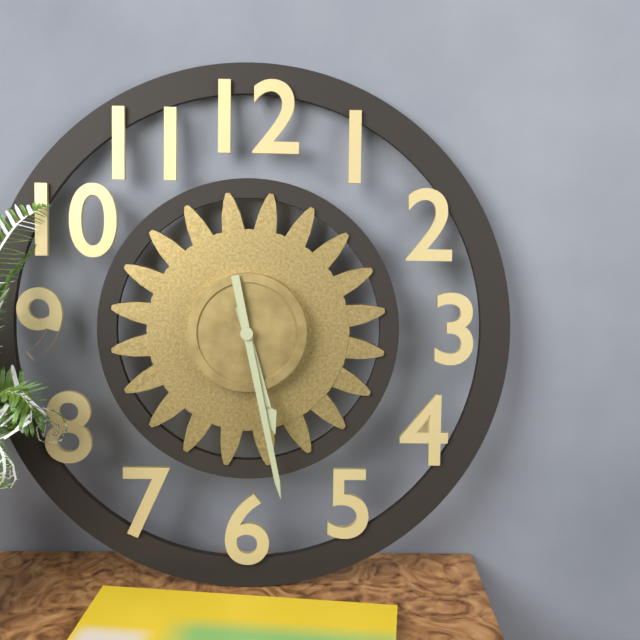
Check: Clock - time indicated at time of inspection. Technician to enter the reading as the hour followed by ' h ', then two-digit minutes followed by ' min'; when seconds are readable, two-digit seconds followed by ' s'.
5 h 28 min
